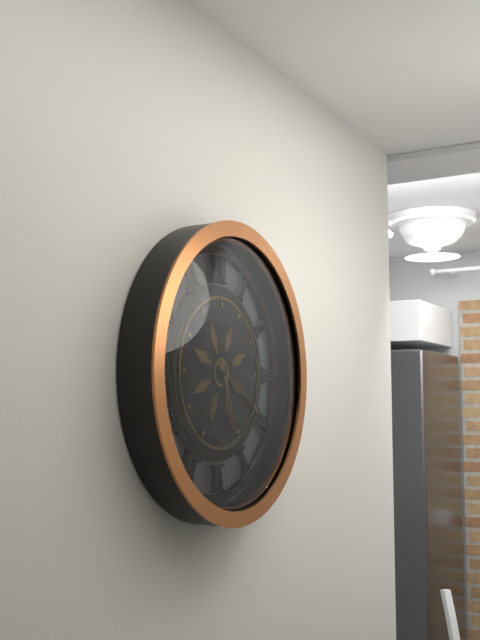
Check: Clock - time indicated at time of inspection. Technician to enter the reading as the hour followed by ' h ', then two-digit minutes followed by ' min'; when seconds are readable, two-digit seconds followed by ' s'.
5 h 20 min
